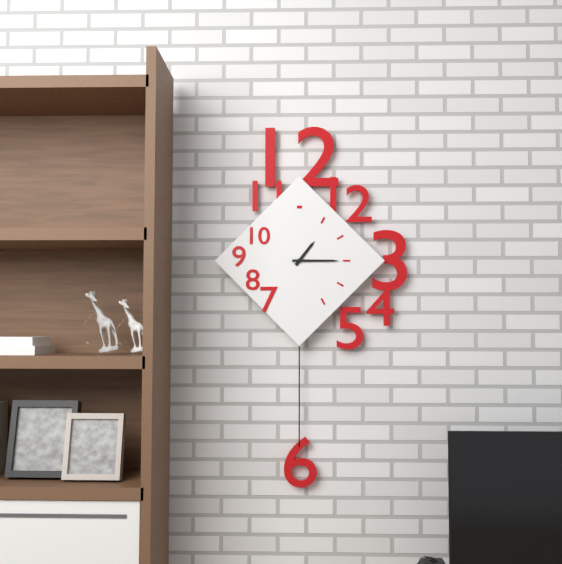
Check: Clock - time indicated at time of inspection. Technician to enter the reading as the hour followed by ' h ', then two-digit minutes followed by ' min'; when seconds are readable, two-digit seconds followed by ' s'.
1 h 15 min
